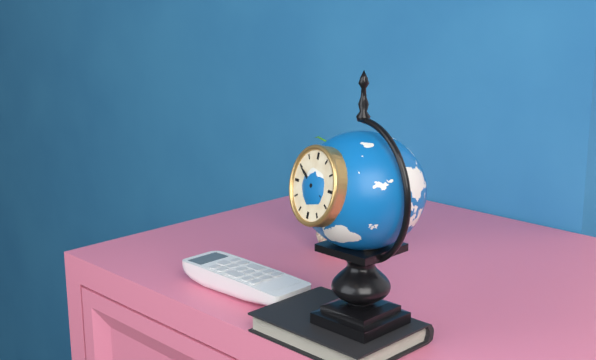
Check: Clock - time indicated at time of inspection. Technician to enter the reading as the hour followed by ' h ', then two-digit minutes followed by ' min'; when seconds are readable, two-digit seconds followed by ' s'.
3 h 50 min
